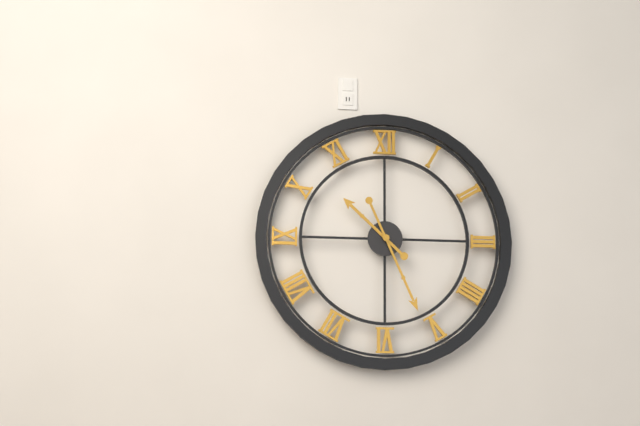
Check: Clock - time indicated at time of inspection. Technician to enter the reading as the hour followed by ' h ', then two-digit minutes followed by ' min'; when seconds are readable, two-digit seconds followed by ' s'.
10 h 26 min
